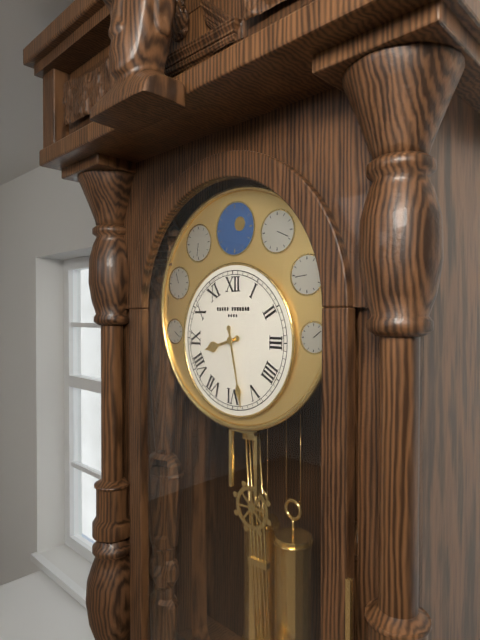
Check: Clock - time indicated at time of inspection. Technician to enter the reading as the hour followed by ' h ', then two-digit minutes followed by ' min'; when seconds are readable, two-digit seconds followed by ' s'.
8 h 28 min
